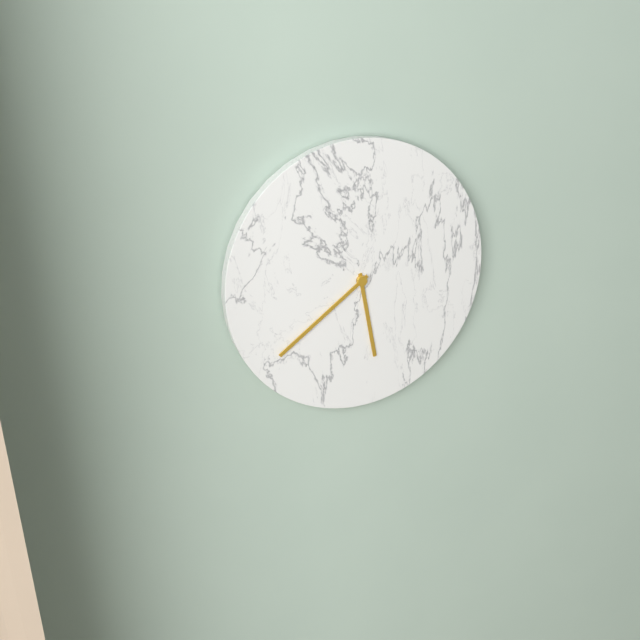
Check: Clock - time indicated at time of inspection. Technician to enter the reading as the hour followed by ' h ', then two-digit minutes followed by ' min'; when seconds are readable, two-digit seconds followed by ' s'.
5 h 39 min
